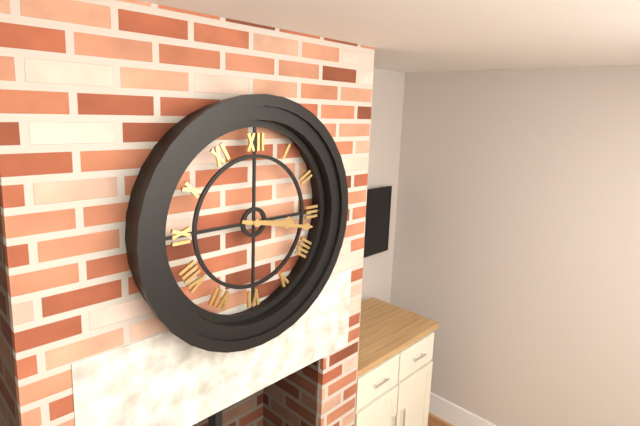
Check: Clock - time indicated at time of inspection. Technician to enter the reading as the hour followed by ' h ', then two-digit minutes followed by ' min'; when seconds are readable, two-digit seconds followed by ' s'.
3 h 17 min
